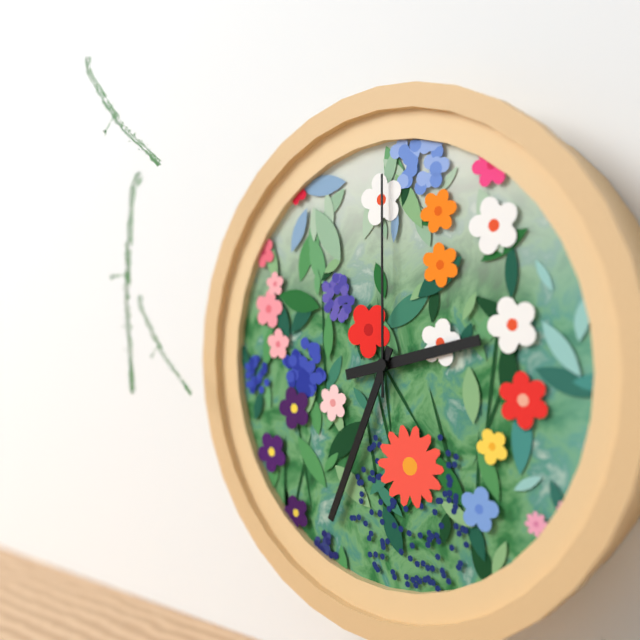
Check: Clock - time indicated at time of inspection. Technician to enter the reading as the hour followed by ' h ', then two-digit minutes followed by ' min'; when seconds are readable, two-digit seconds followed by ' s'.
2 h 34 min 00 s
